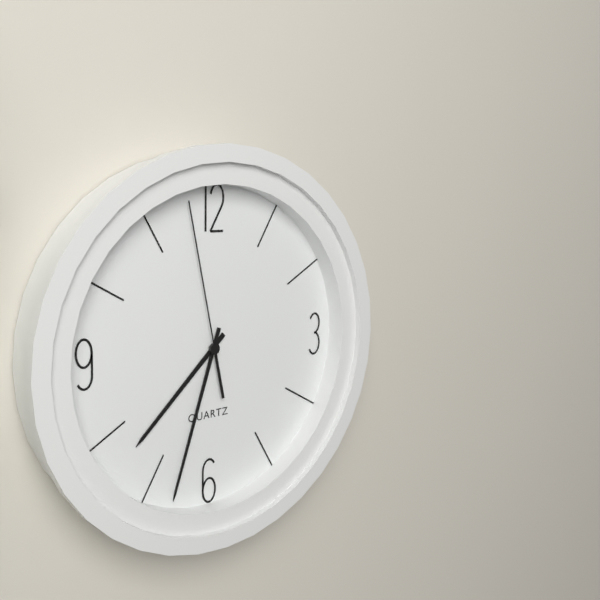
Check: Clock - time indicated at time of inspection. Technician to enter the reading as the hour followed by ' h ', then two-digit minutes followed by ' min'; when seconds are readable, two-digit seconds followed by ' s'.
7 h 33 min 58 s
